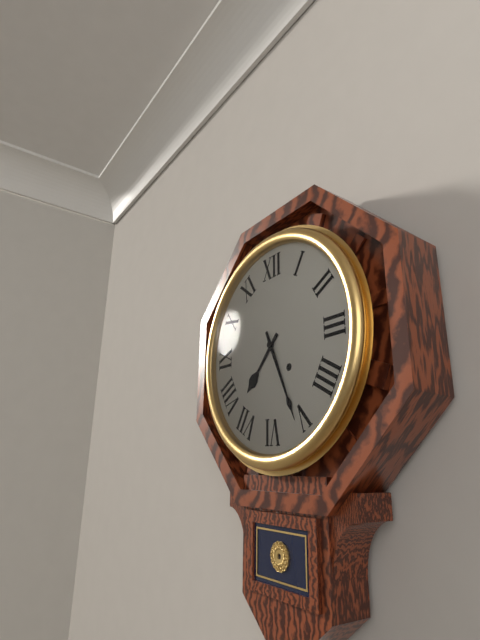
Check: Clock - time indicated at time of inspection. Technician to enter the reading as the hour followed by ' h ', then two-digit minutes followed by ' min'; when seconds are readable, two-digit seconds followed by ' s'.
7 h 26 min
